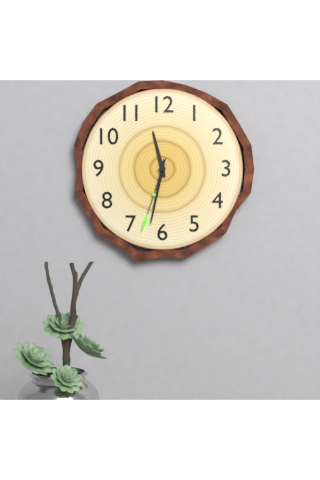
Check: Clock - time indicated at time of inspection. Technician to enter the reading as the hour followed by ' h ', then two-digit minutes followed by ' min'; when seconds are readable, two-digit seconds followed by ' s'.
11 h 32 min 33 s
